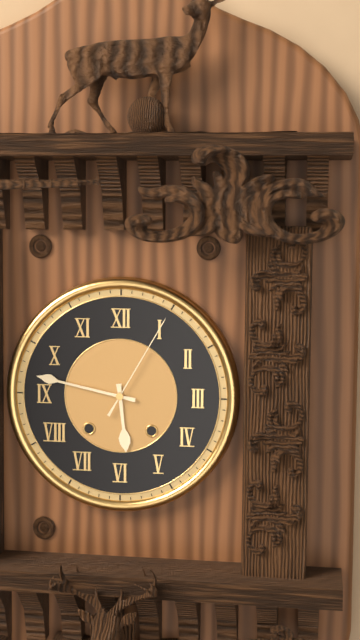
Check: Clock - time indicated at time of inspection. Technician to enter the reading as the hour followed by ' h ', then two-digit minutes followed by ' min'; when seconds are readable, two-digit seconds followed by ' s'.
5 h 47 min 05 s
